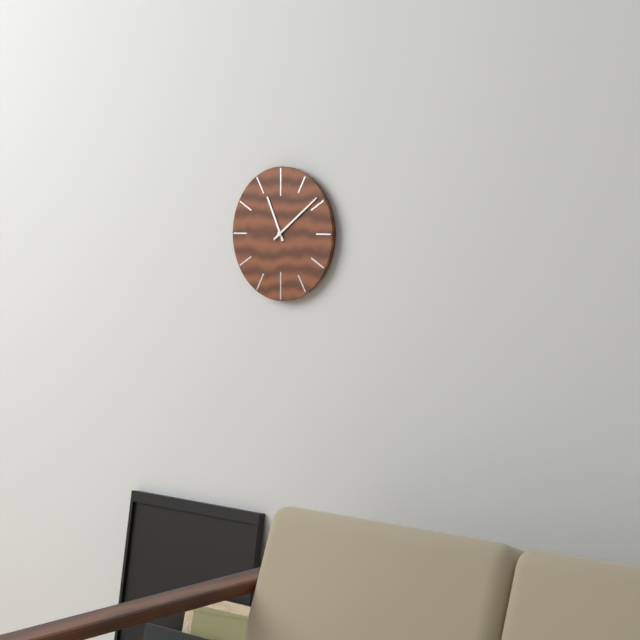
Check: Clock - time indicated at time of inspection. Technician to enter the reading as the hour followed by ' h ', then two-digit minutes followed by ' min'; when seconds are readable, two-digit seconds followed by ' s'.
11 h 09 min
